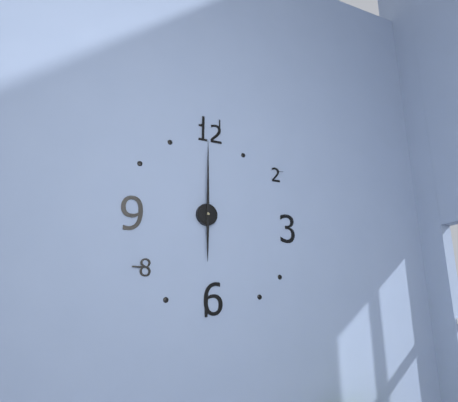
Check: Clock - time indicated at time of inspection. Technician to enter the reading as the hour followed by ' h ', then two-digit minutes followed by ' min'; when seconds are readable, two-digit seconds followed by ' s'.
6 h 00 min
